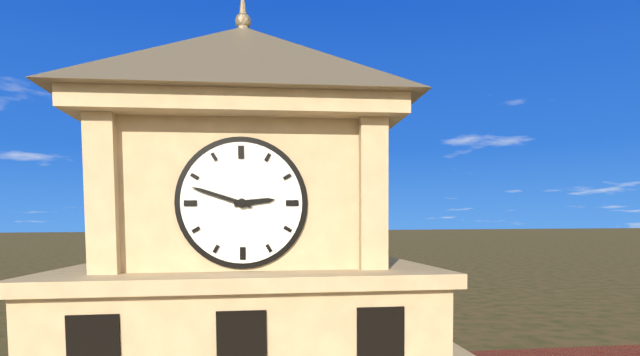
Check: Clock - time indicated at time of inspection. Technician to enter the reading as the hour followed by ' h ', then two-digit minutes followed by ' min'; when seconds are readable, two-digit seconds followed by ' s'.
2 h 48 min
